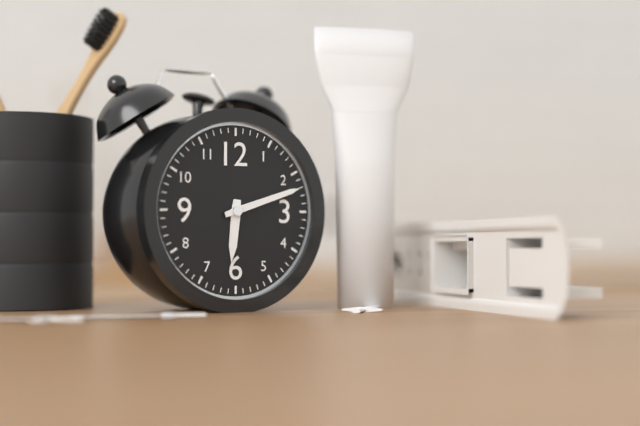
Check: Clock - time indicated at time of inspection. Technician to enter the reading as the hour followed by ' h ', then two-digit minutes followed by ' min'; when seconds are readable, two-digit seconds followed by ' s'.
6 h 12 min
